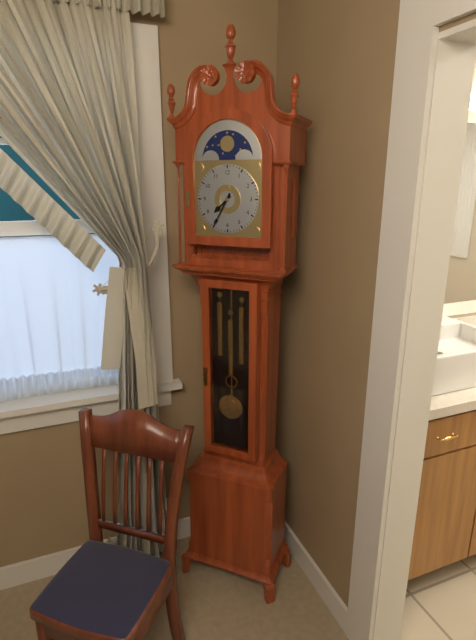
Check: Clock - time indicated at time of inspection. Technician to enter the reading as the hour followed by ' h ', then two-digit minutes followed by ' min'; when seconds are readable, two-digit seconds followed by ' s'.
7 h 35 min
